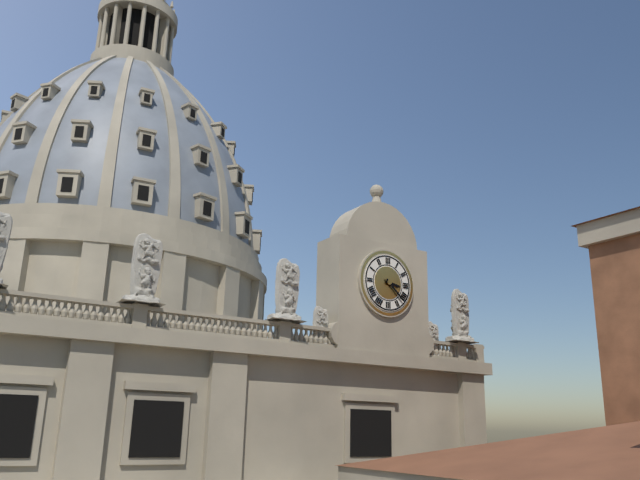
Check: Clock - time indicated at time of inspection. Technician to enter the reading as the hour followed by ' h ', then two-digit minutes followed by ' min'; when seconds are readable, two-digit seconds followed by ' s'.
3 h 22 min
